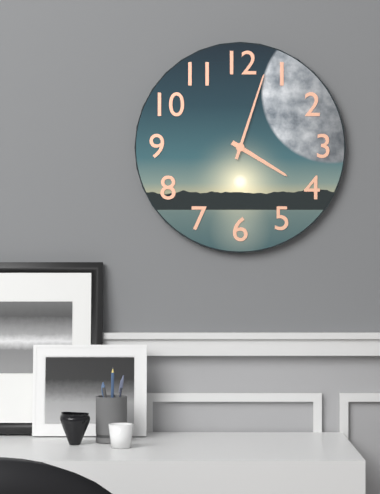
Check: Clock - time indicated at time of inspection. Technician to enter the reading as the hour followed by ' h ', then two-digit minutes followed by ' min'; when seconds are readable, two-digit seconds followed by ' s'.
4 h 03 min
